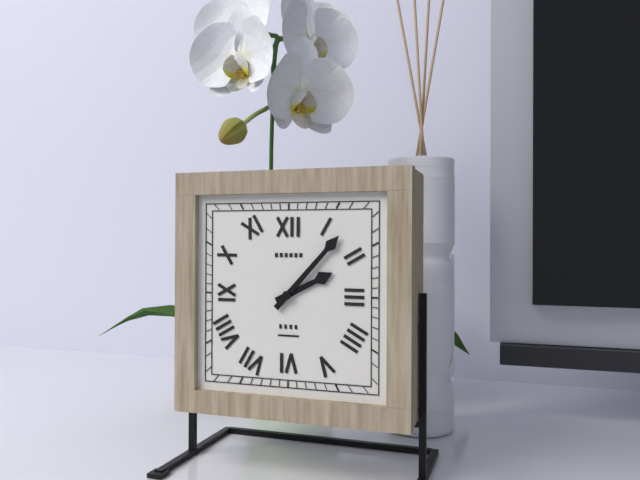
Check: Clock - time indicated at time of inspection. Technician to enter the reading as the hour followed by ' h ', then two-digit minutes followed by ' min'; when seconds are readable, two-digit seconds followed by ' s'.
2 h 07 min
